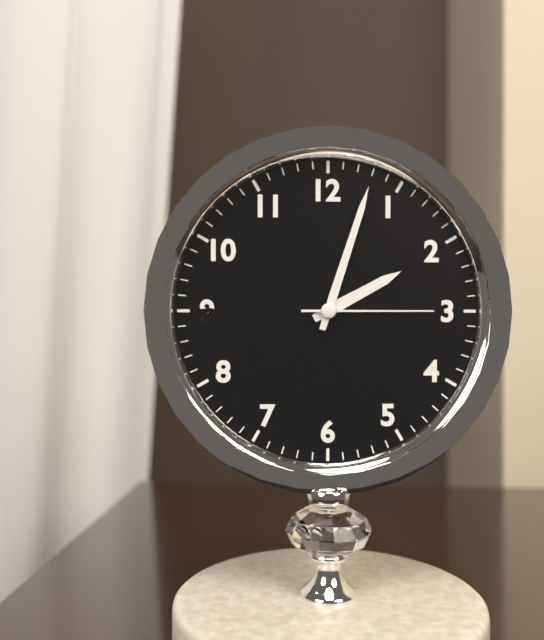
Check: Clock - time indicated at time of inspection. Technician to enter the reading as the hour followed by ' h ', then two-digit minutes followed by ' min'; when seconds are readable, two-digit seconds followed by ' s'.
2 h 03 min 15 s
